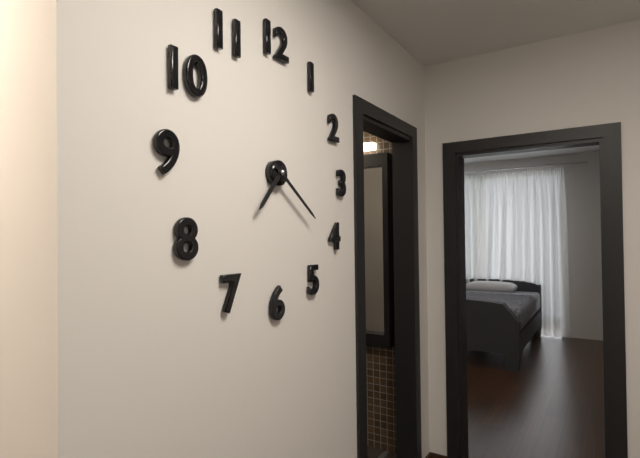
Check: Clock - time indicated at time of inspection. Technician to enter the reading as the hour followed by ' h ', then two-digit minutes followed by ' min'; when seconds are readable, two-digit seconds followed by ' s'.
7 h 21 min
